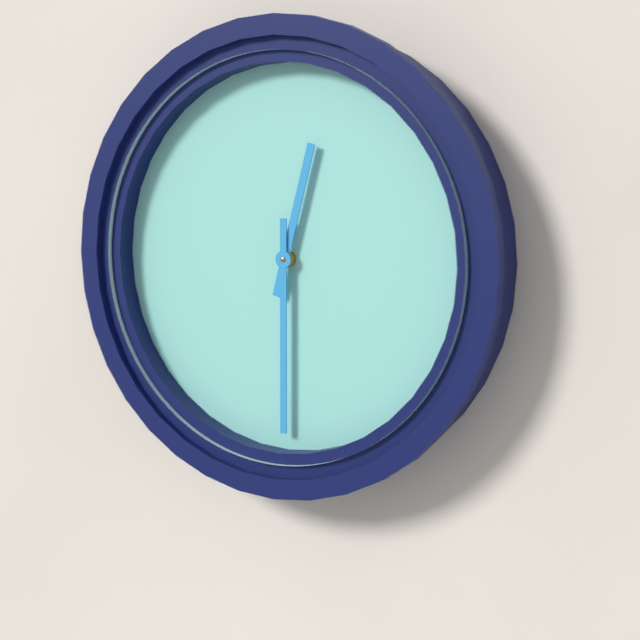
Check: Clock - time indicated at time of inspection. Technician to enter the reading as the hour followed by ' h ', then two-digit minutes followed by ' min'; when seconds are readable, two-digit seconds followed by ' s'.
12 h 30 min
